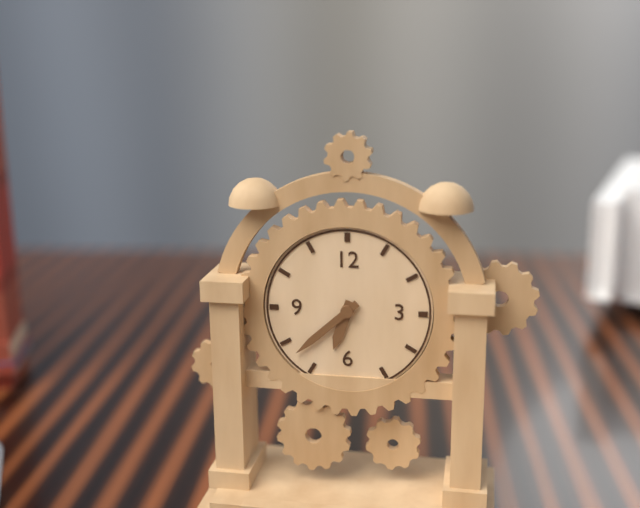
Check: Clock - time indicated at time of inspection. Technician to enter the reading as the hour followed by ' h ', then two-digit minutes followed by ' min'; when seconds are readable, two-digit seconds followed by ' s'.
6 h 38 min
